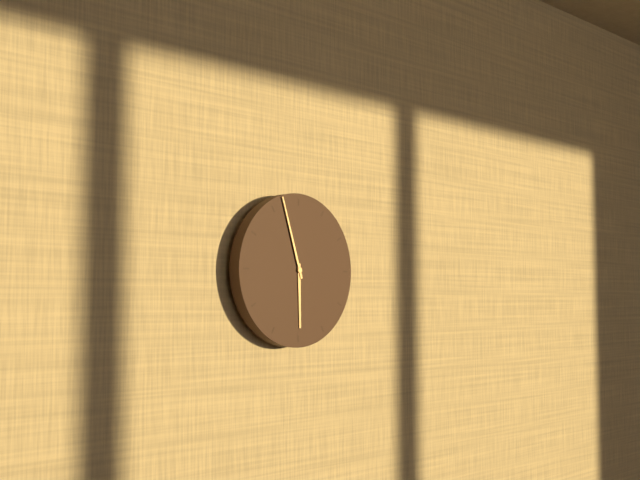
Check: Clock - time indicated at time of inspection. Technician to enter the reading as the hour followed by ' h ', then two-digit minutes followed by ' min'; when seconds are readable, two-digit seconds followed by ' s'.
5 h 57 min
